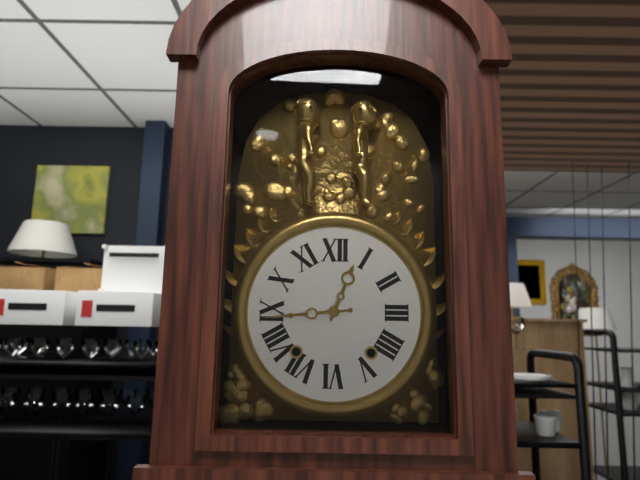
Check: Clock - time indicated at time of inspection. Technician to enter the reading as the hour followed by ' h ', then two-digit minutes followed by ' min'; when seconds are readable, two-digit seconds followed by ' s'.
12 h 44 min
